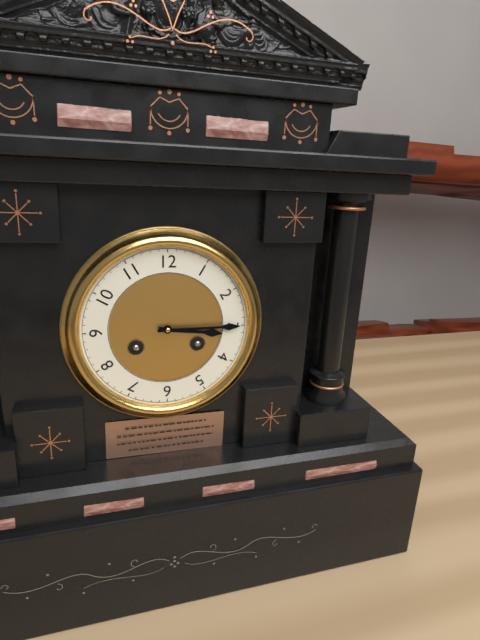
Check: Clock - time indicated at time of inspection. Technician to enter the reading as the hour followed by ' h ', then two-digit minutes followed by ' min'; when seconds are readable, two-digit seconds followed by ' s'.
3 h 15 min
